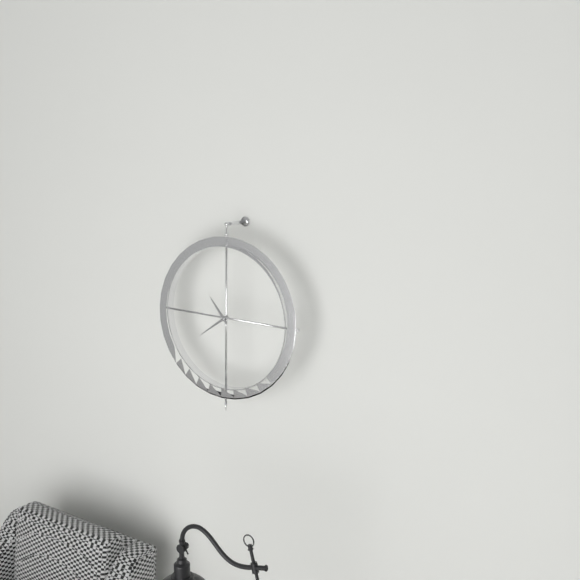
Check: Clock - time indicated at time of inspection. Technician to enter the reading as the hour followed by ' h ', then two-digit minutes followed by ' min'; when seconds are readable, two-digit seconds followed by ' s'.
10 h 39 min
